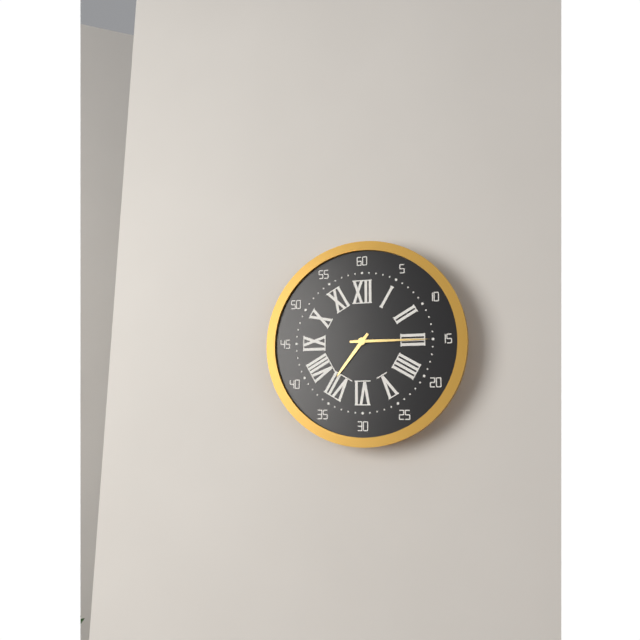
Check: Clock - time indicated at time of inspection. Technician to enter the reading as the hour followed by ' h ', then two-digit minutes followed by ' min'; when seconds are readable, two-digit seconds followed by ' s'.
7 h 15 min
